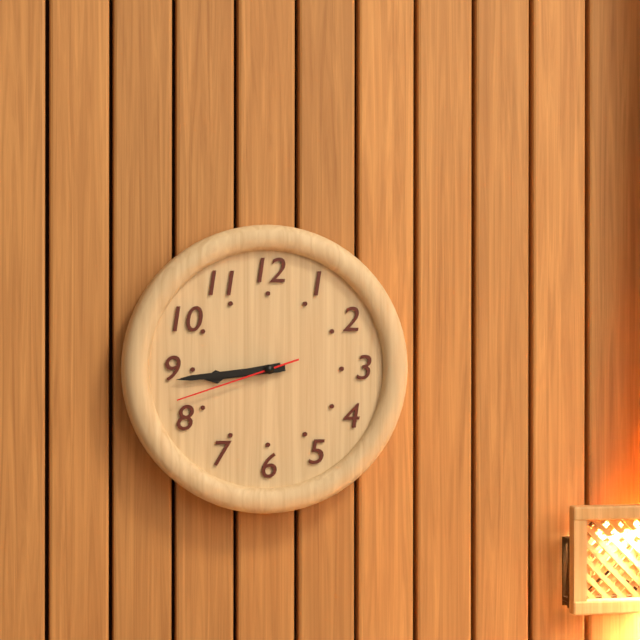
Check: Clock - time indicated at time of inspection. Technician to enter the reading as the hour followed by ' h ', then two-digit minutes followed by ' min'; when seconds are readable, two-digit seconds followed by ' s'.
8 h 44 min 42 s
